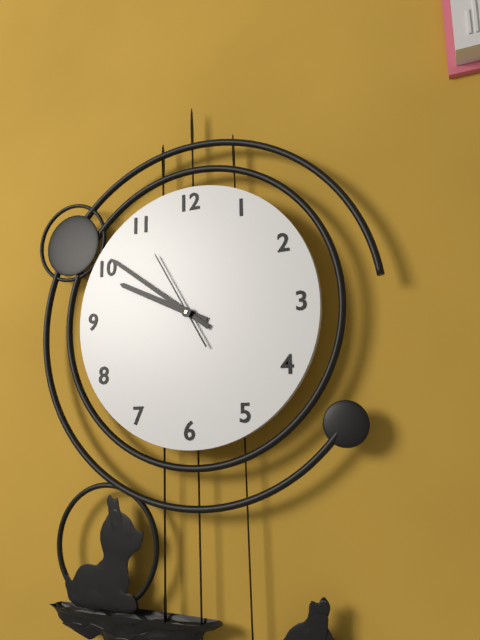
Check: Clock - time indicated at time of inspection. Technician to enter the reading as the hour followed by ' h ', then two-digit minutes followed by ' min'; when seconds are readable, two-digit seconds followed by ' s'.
9 h 51 min 55 s
